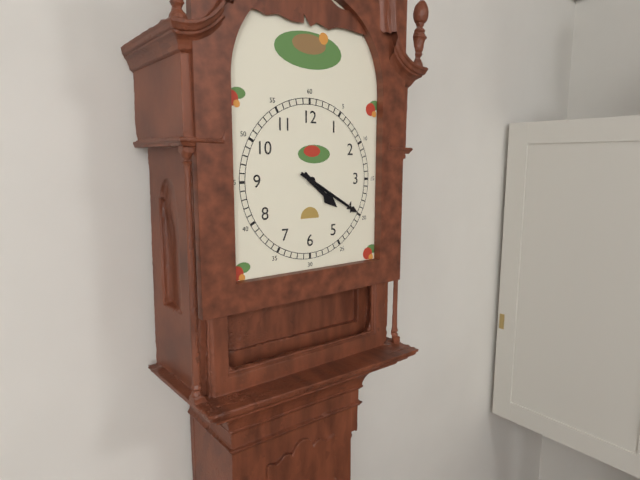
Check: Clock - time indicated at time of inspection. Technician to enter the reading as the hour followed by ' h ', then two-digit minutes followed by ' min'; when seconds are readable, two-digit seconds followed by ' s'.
4 h 20 min
